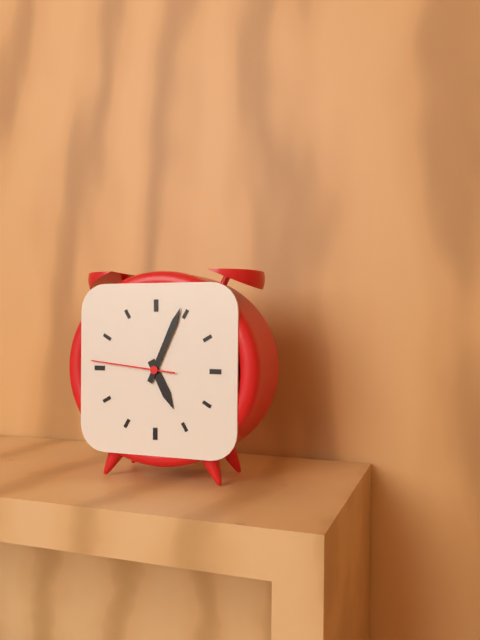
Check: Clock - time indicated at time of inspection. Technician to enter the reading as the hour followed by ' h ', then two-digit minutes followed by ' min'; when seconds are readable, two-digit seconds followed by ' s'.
5 h 04 min 46 s
